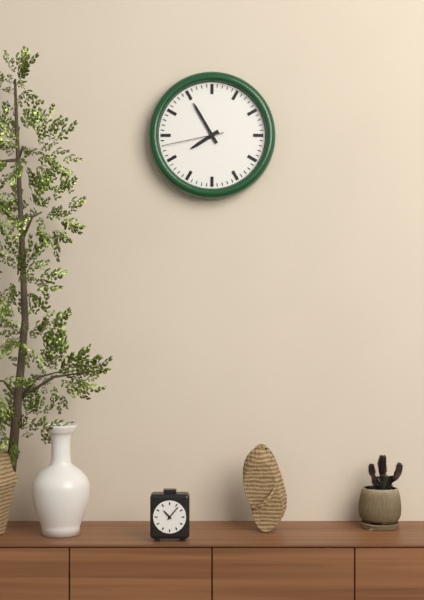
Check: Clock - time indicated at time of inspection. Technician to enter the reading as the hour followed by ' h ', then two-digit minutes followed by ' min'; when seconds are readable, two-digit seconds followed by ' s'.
7 h 55 min 43 s
